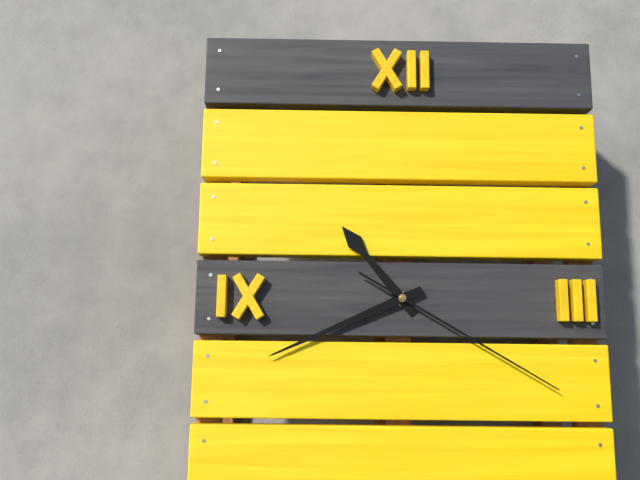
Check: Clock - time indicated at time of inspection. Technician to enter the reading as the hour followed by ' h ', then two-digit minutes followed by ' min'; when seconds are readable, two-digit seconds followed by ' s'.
10 h 41 min 20 s
